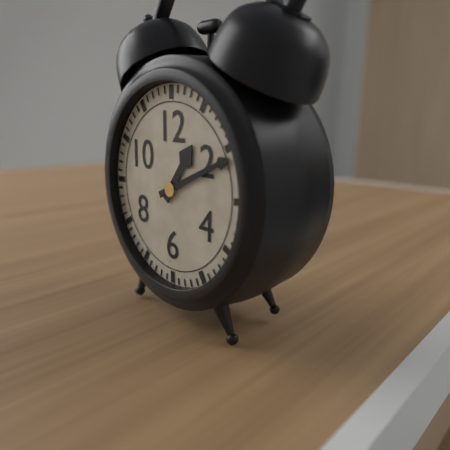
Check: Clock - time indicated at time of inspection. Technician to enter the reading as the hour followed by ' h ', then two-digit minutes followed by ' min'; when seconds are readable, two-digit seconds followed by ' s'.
1 h 11 min
